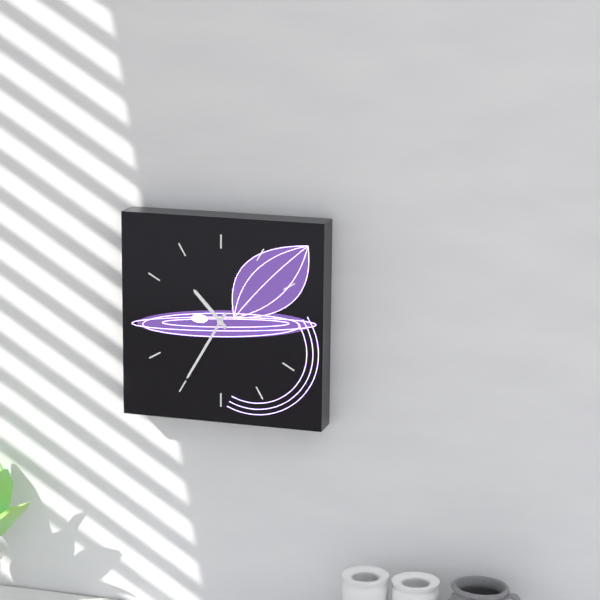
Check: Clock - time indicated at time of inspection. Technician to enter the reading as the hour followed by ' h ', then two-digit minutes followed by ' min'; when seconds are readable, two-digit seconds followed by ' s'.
10 h 35 min
